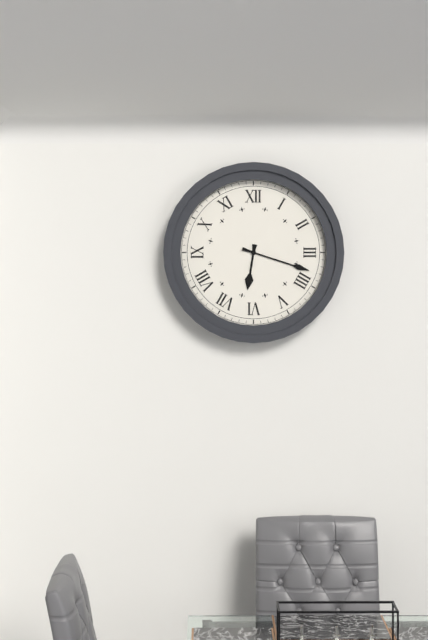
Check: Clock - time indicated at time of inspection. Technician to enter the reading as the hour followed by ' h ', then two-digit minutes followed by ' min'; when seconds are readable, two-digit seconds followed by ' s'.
6 h 18 min
